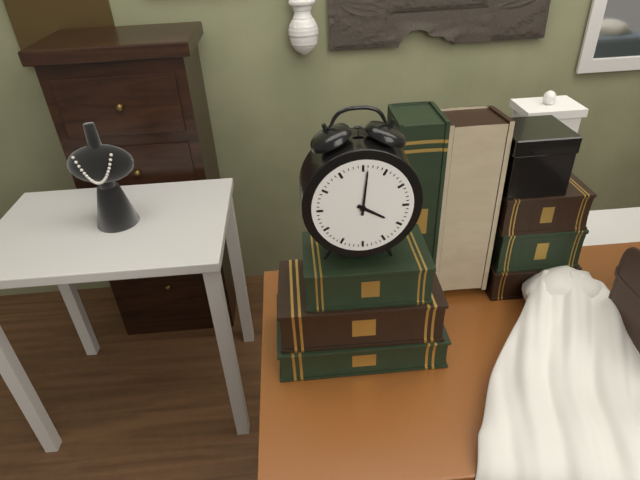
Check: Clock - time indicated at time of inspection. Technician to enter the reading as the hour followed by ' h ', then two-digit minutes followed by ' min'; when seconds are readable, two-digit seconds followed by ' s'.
4 h 01 min
